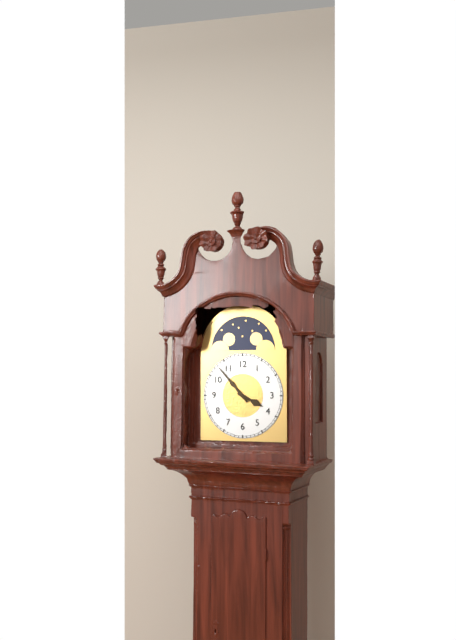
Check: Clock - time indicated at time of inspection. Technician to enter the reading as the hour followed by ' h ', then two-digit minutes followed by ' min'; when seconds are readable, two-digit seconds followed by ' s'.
3 h 53 min
